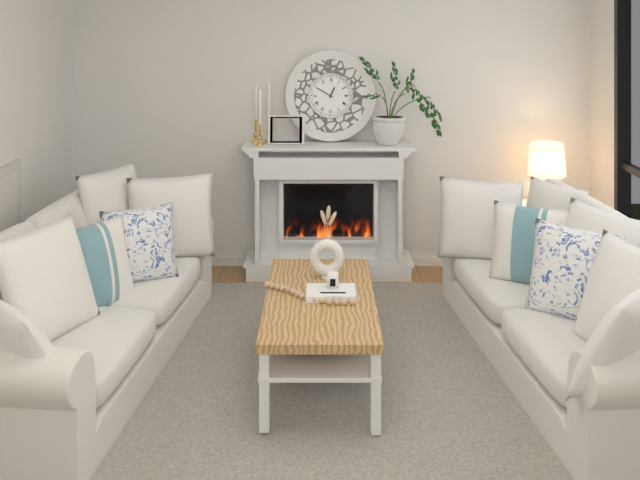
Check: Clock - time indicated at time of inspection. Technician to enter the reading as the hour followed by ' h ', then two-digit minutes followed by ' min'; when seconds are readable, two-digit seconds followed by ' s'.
12 h 50 min
